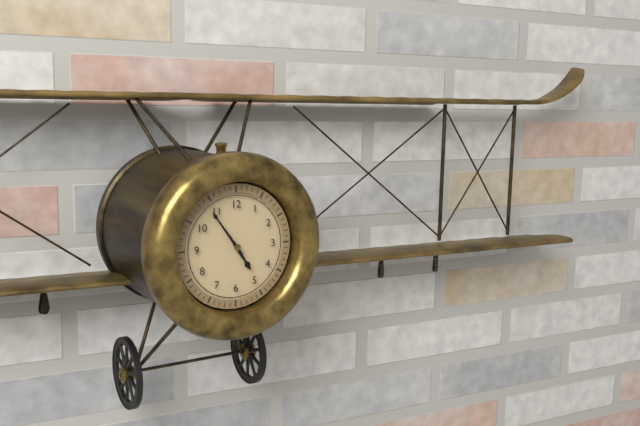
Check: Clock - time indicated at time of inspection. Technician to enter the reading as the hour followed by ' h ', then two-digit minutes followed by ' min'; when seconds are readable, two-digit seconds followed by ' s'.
4 h 54 min
